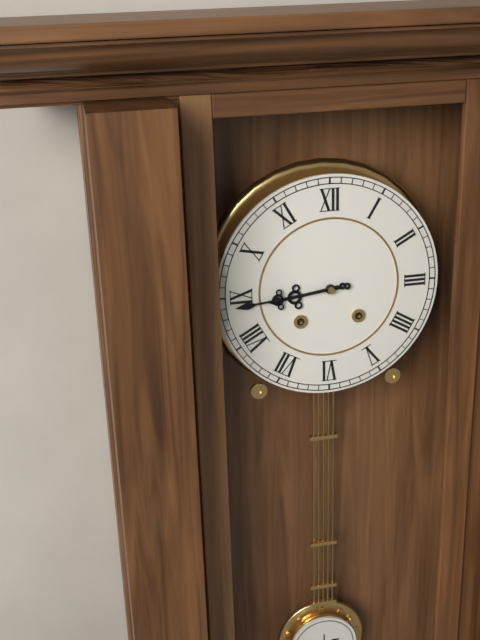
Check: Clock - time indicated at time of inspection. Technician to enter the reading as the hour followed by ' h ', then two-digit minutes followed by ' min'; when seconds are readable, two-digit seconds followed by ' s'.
8 h 44 min
